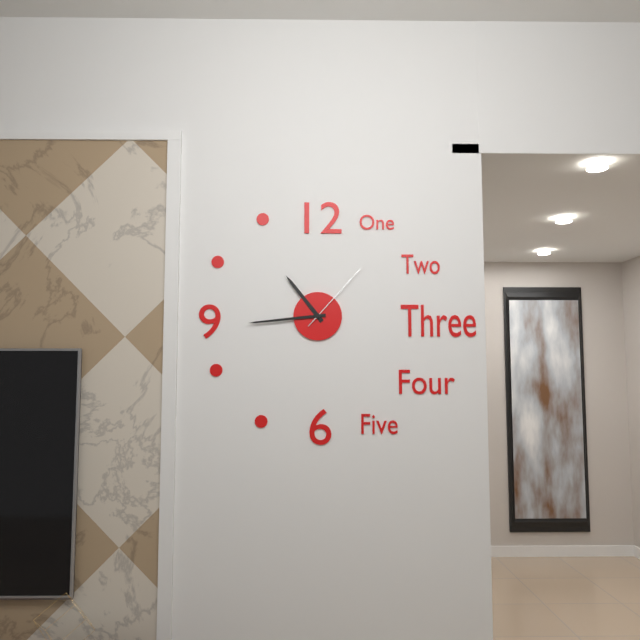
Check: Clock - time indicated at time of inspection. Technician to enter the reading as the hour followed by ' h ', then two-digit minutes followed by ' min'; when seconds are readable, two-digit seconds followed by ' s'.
10 h 44 min 07 s
